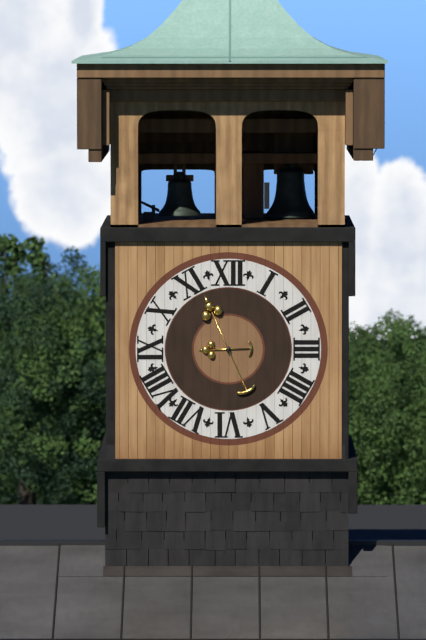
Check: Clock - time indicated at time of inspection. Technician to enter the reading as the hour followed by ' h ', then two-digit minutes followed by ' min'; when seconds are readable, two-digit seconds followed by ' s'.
8 h 56 min
